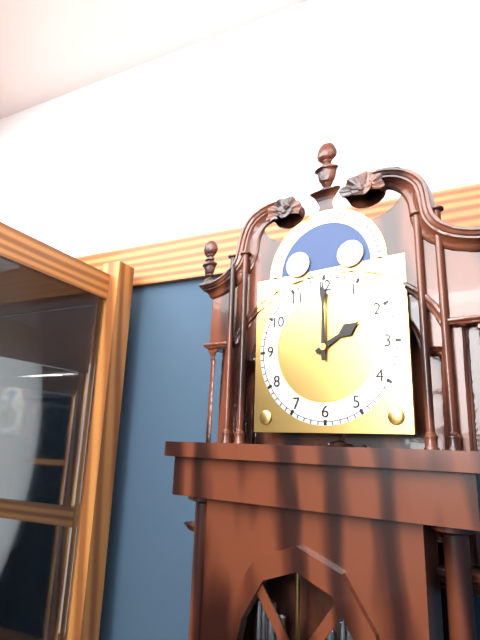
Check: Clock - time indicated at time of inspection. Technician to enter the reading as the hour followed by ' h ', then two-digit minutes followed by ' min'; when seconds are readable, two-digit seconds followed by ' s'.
2 h 00 min
